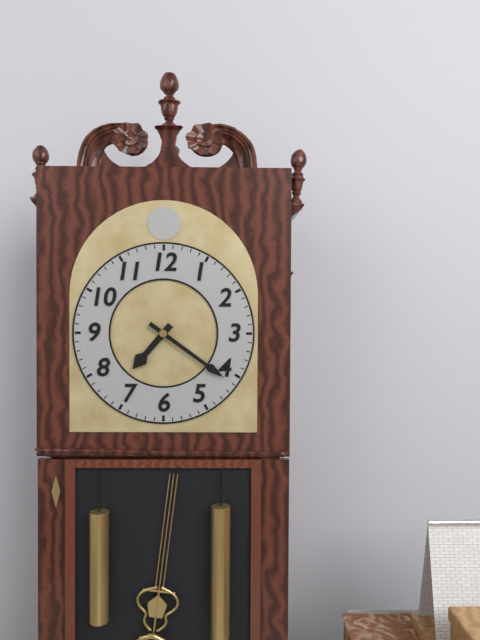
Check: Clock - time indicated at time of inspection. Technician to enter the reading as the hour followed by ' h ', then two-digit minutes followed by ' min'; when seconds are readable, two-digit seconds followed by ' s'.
7 h 21 min
